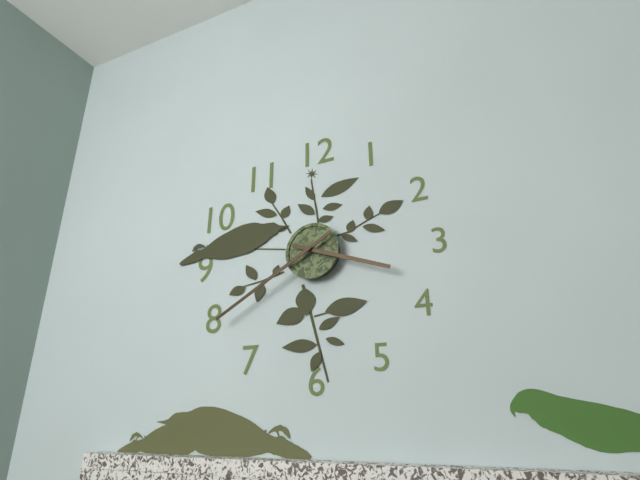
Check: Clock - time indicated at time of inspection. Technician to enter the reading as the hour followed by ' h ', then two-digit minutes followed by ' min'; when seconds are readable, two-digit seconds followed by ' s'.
3 h 40 min
